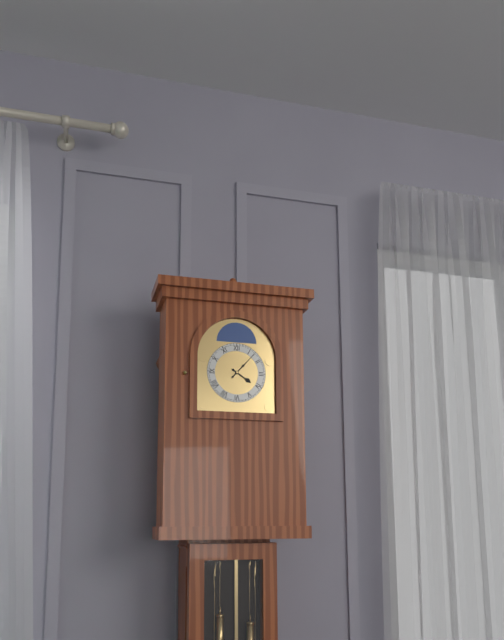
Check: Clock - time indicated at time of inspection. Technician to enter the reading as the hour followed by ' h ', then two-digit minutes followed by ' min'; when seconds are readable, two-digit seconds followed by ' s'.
4 h 07 min
